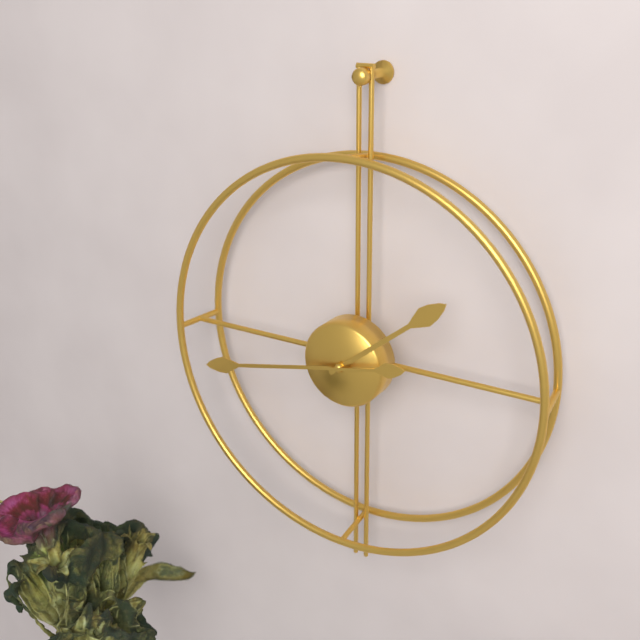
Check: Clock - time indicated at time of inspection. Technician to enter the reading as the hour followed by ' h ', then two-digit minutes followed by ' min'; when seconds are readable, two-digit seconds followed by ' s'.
1 h 43 min 13 s
